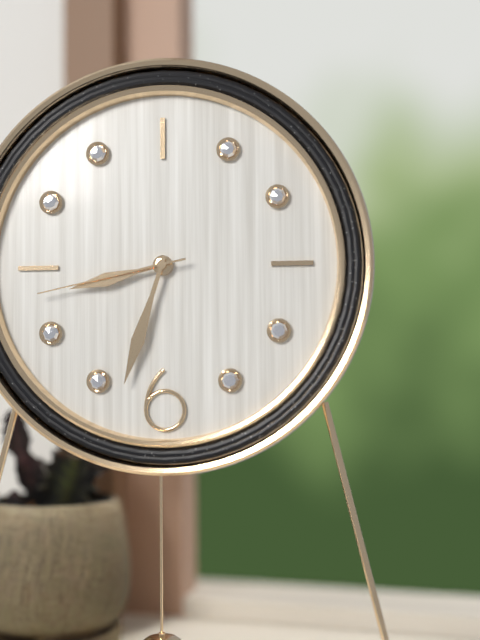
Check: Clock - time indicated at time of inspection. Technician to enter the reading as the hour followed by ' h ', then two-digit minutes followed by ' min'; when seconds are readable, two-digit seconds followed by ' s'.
8 h 33 min 43 s
